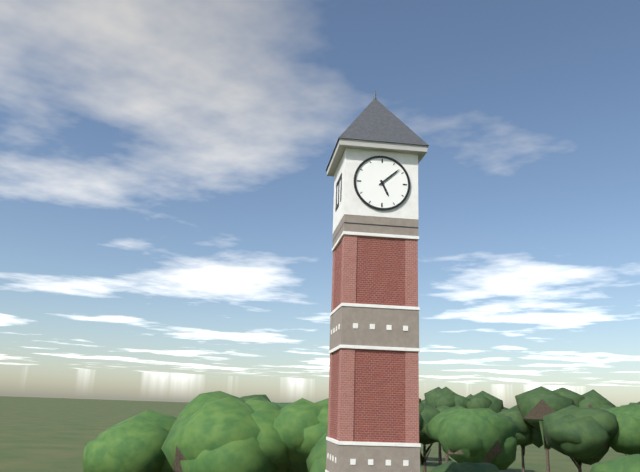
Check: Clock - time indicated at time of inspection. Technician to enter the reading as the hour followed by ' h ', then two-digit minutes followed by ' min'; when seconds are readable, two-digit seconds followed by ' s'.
5 h 08 min
